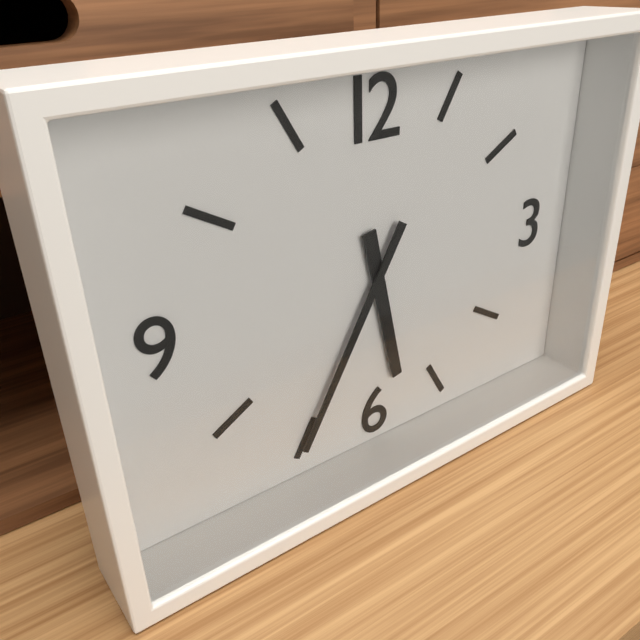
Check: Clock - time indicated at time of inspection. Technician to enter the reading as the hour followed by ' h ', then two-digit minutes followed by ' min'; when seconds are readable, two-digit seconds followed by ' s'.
5 h 35 min
